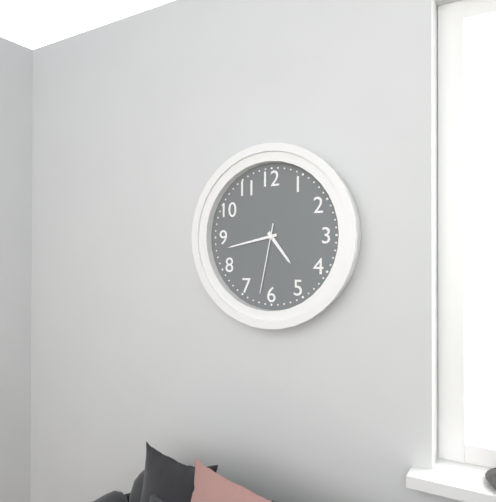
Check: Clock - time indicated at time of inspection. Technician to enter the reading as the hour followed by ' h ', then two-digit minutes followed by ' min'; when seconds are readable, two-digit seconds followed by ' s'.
4 h 43 min 32 s
